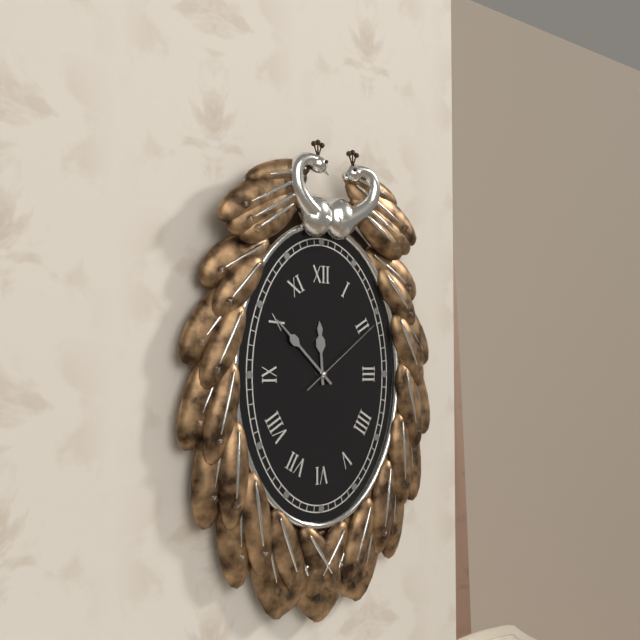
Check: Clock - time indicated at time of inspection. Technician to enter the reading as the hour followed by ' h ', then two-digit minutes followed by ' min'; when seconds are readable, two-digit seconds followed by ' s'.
11 h 52 min 09 s
